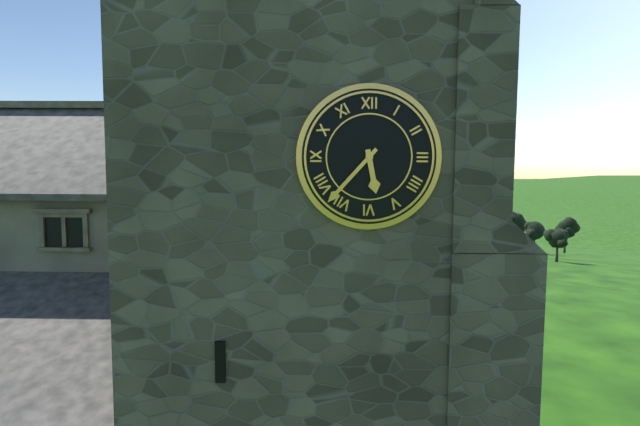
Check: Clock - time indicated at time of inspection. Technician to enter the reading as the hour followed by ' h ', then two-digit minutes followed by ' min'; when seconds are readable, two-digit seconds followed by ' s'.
5 h 37 min
